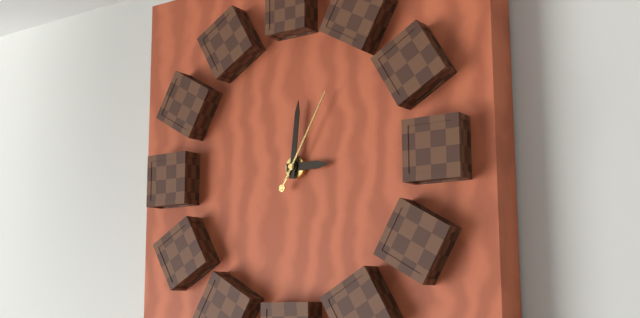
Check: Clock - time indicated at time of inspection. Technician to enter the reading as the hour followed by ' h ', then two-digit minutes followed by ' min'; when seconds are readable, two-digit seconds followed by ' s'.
3 h 01 min 05 s
